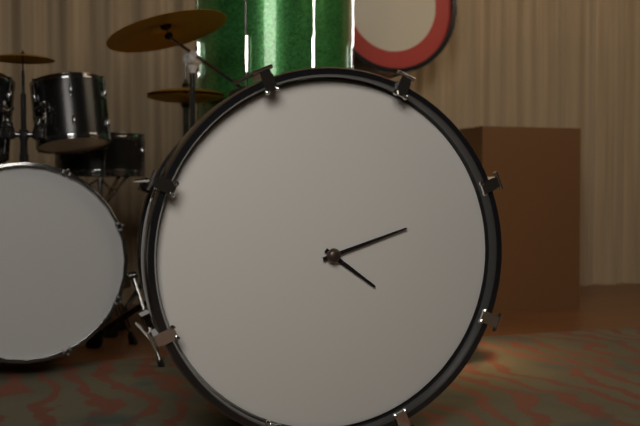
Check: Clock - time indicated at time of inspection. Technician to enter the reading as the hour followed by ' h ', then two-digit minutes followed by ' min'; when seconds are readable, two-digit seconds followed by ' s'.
4 h 12 min
